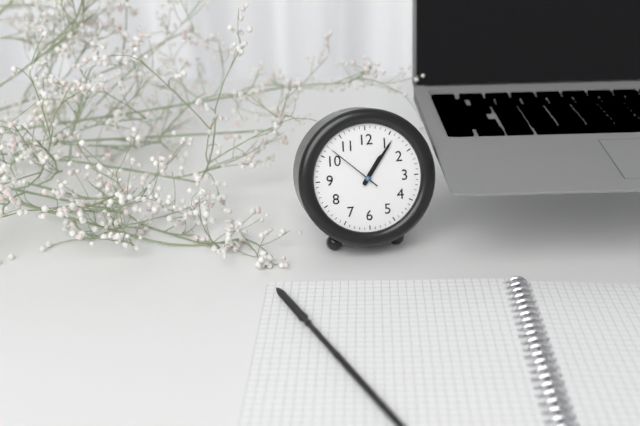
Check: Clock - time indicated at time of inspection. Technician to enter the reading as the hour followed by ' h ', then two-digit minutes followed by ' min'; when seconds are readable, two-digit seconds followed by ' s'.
1 h 06 min 52 s
